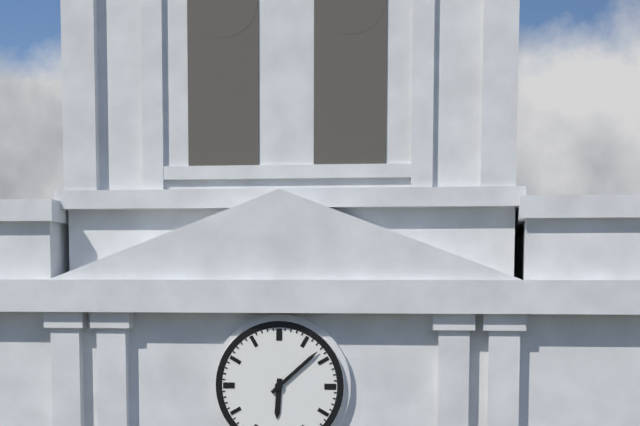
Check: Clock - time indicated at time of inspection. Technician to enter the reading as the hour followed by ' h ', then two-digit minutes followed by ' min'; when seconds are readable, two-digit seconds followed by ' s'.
6 h 08 min
